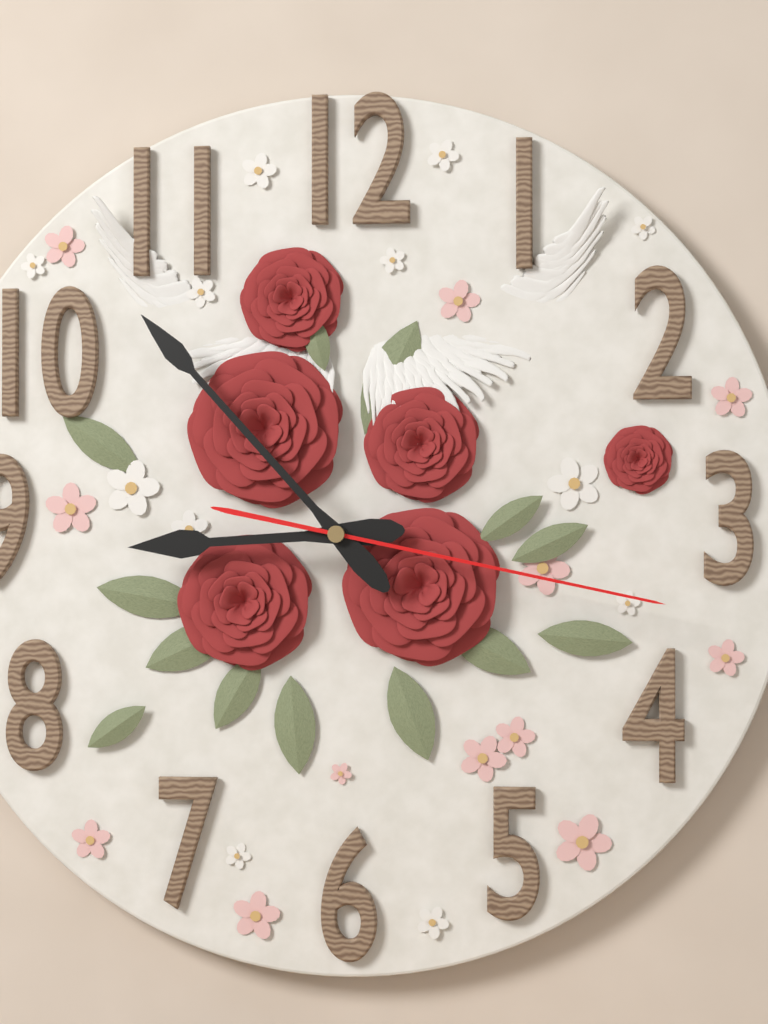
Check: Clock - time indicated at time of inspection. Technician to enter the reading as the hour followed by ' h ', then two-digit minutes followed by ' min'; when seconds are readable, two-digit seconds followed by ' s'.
8 h 53 min 17 s
